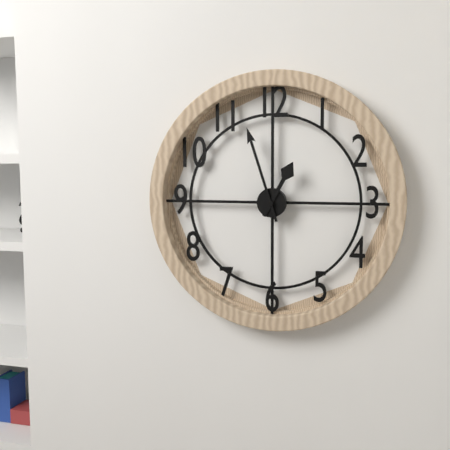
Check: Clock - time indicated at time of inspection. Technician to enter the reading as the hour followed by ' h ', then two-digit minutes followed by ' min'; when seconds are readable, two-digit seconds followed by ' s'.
12 h 57 min
